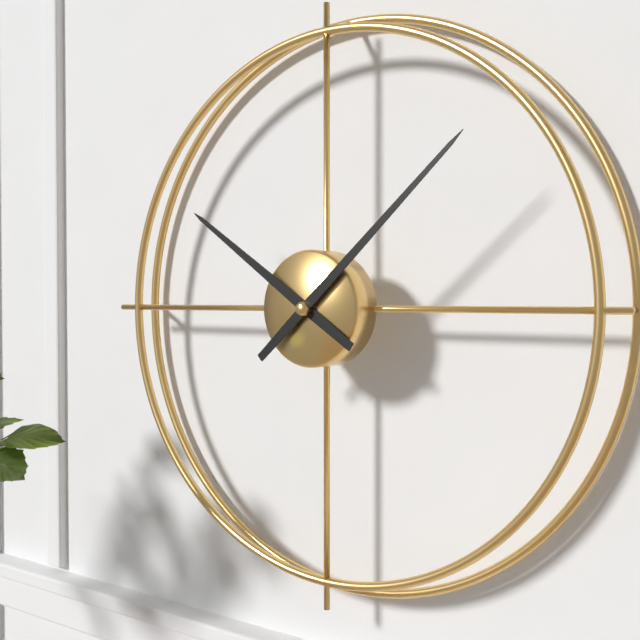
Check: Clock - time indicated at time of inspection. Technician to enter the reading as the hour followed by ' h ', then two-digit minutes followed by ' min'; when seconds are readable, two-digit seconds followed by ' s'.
10 h 08 min
